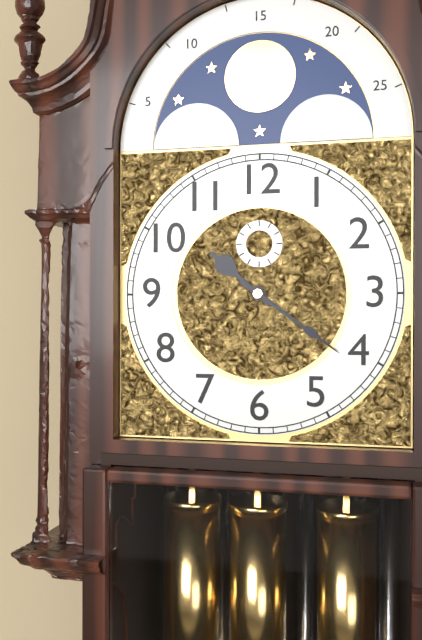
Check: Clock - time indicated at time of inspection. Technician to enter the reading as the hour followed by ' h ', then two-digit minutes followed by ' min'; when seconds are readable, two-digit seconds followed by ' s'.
10 h 21 min
